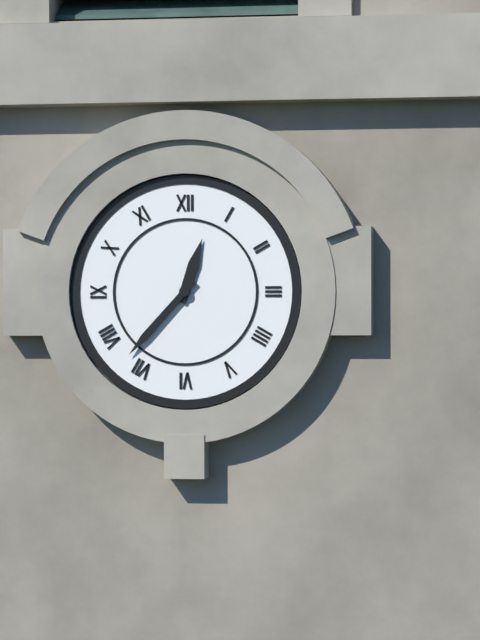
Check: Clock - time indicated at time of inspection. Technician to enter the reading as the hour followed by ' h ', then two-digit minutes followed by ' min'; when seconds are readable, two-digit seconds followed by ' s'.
12 h 37 min
